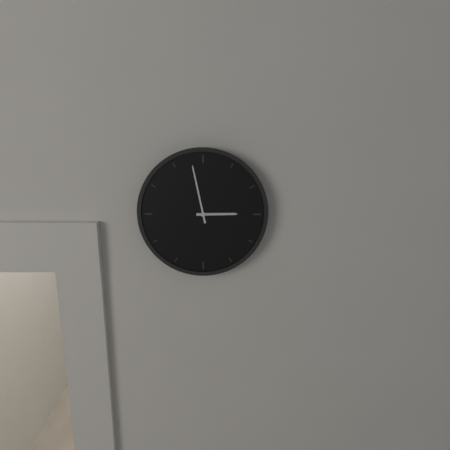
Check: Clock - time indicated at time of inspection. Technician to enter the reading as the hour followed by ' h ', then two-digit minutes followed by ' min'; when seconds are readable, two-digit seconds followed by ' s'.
2 h 58 min
